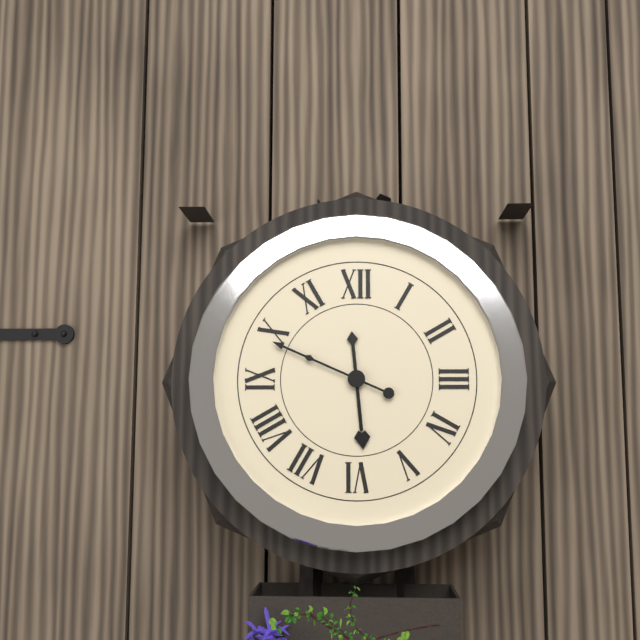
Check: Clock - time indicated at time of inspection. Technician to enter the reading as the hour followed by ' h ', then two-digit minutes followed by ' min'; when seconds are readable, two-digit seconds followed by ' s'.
5 h 49 min
